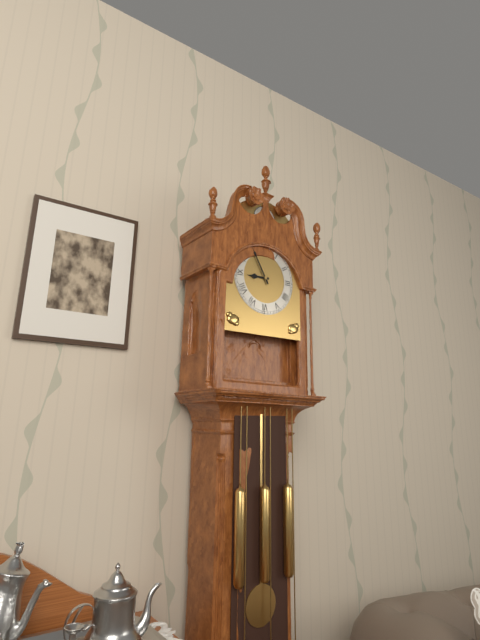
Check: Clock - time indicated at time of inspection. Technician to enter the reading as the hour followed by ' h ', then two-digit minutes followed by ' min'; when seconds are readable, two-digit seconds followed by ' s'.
8 h 55 min
